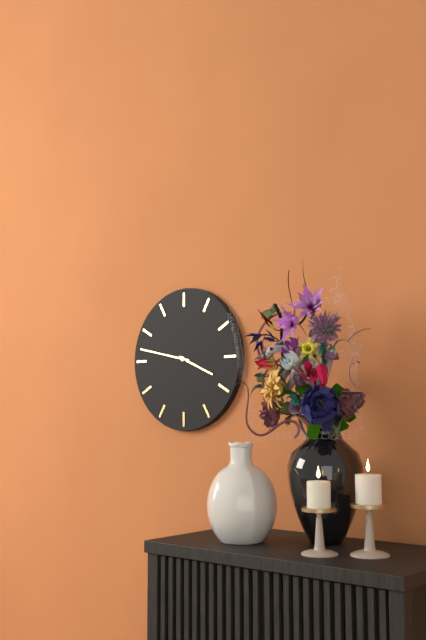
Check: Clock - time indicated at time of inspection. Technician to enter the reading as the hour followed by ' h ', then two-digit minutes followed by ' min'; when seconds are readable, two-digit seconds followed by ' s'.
3 h 47 min
